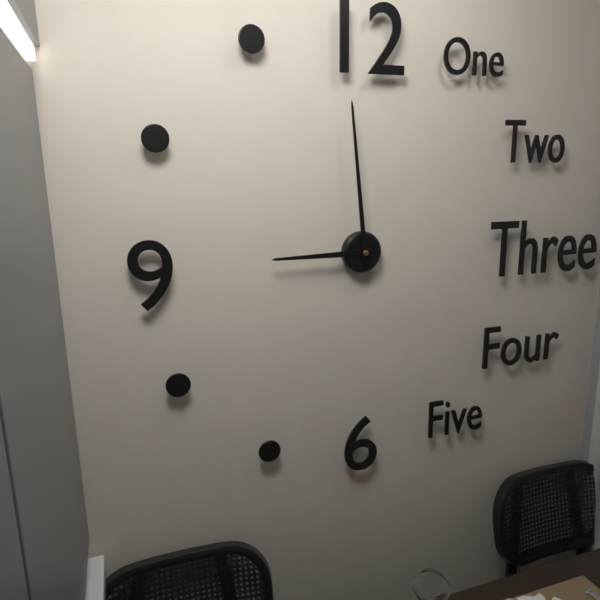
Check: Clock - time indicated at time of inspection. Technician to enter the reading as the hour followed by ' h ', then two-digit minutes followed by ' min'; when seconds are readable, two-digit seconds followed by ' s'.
8 h 59 min
